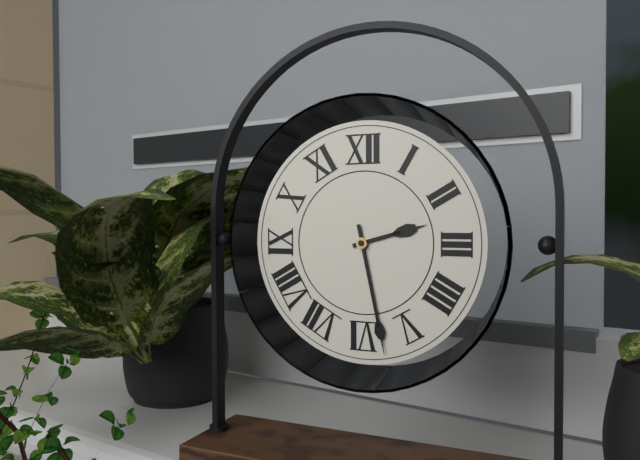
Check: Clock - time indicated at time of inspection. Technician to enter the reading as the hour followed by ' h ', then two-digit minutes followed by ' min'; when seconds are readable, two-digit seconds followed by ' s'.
2 h 28 min
